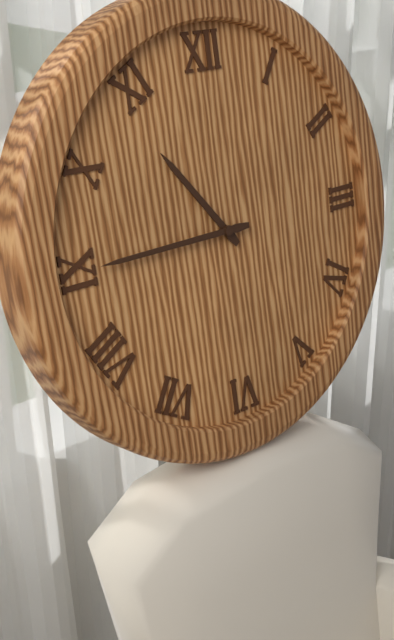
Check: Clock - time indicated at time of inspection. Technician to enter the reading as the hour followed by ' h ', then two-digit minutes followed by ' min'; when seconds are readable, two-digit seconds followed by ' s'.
10 h 45 min
